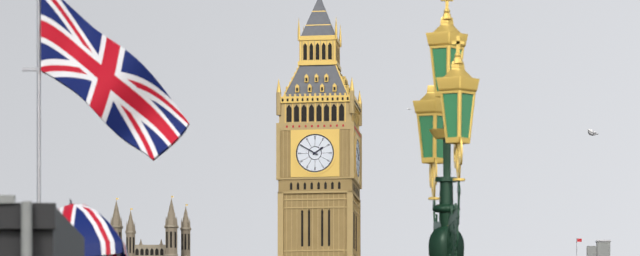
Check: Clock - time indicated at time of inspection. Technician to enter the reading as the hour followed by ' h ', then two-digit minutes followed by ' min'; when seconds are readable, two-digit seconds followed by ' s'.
1 h 50 min
